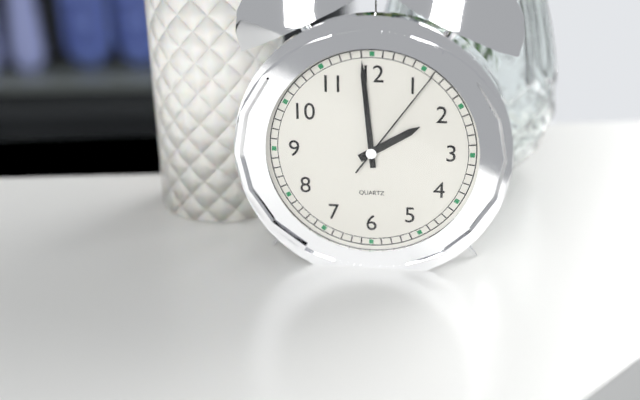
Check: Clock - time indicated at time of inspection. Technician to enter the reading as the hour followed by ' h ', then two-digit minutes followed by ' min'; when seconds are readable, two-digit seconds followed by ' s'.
1 h 59 min 06 s
